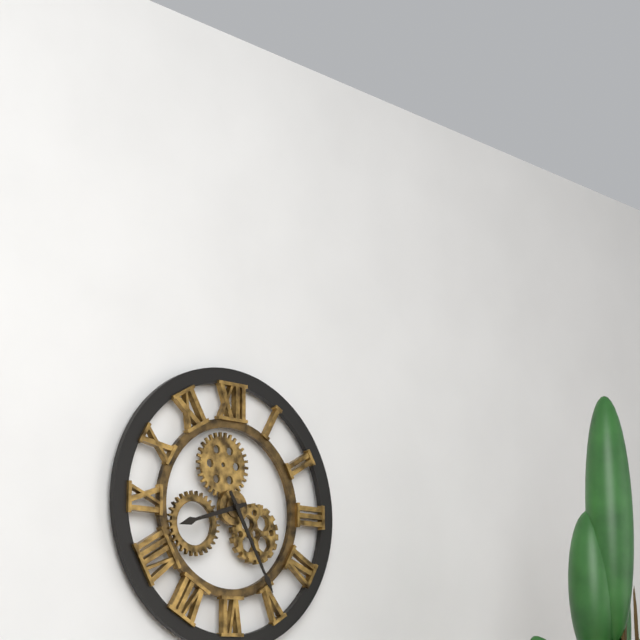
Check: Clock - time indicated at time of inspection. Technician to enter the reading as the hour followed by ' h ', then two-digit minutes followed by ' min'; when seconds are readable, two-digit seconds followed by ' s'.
8 h 25 min
